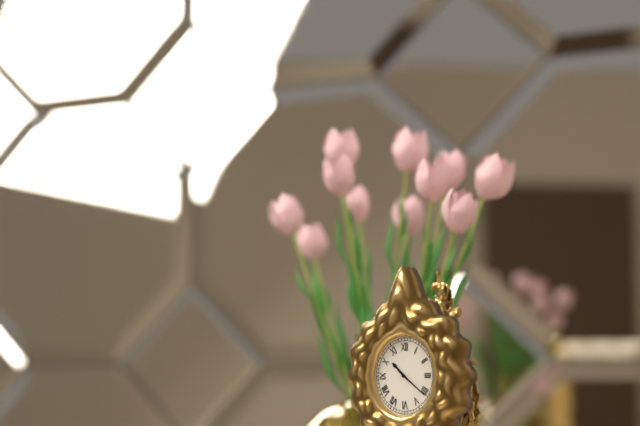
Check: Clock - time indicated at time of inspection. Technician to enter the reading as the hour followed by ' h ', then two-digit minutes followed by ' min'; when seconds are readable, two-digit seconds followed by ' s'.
10 h 21 min
